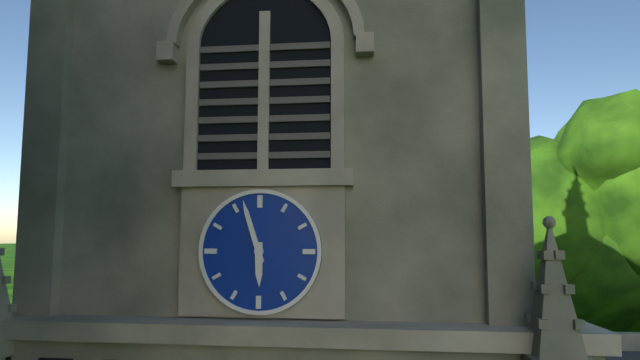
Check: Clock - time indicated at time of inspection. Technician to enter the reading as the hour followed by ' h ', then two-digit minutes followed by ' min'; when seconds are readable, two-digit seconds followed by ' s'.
5 h 57 min
